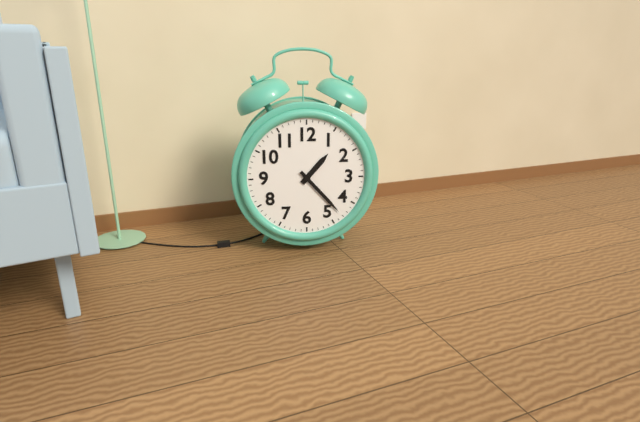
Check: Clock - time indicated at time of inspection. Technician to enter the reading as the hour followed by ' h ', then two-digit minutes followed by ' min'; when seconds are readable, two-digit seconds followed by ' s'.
1 h 23 min
